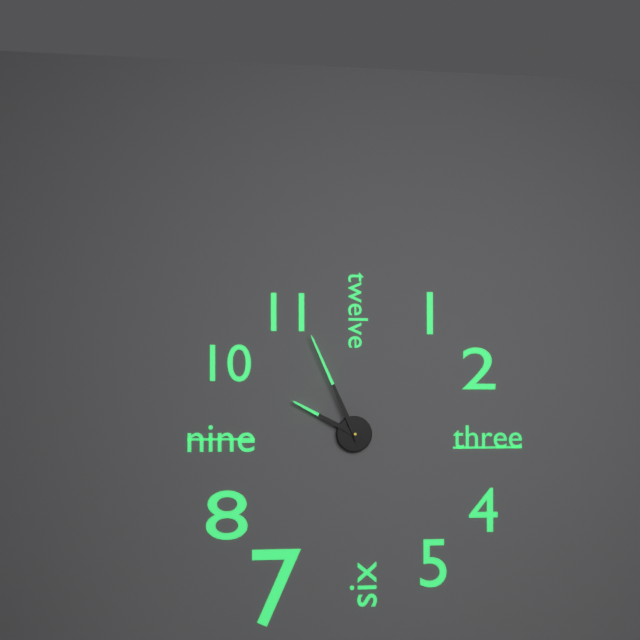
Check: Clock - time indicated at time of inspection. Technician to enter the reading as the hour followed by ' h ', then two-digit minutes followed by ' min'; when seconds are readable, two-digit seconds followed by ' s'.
9 h 56 min
